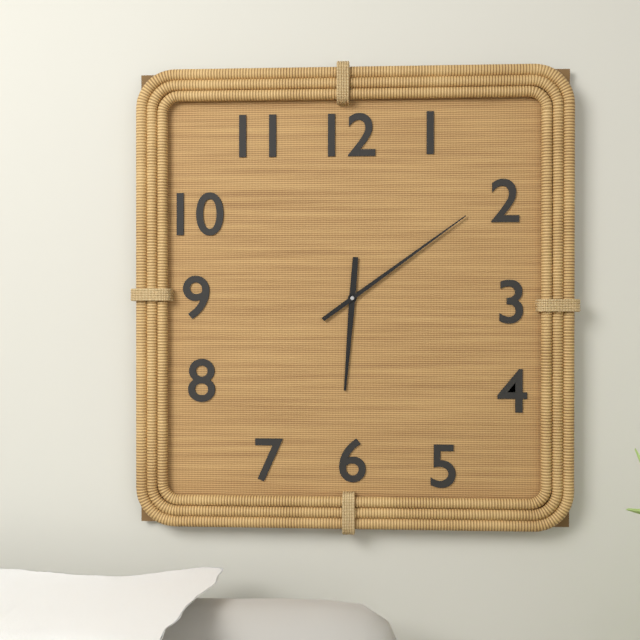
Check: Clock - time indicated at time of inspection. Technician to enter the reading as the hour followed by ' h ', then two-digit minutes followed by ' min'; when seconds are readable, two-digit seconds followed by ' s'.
6 h 09 min
